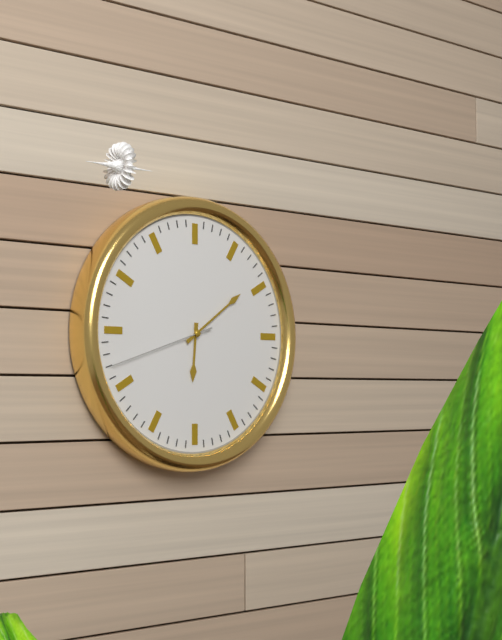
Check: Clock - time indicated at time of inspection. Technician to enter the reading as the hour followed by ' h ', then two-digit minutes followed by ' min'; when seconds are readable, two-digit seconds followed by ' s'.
6 h 09 min 42 s
